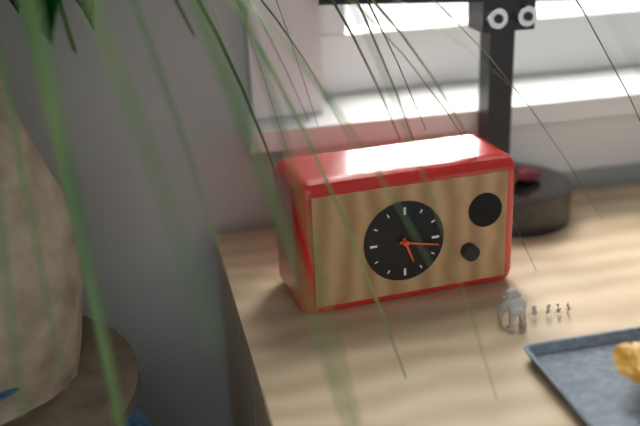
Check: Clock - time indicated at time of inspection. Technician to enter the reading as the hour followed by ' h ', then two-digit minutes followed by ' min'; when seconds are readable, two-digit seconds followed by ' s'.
5 h 17 min
